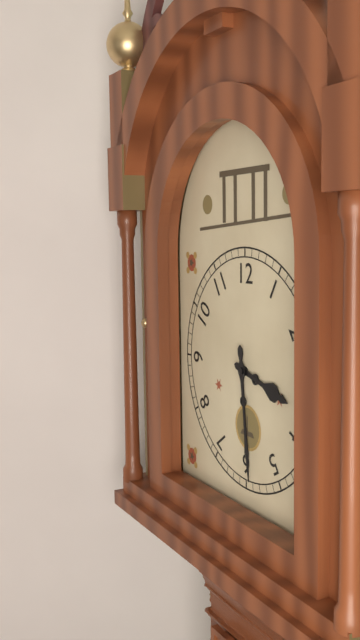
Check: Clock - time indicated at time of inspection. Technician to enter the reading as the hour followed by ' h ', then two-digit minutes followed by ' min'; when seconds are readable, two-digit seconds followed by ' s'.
3 h 29 min
